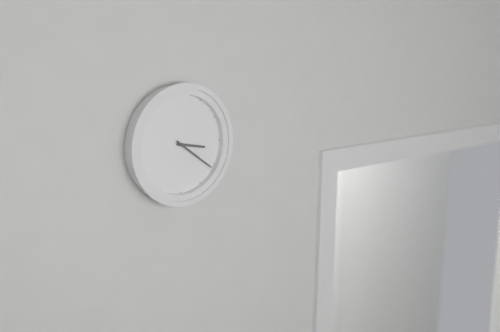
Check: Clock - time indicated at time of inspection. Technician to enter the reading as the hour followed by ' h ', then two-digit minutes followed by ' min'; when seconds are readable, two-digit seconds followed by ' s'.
3 h 21 min
